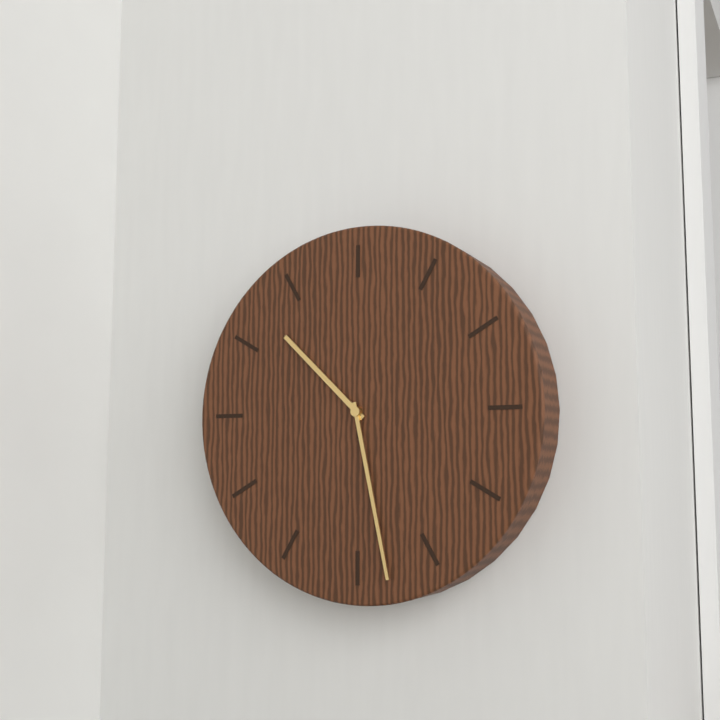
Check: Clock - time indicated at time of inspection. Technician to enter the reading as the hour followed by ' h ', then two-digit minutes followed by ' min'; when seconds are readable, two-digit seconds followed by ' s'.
10 h 28 min
